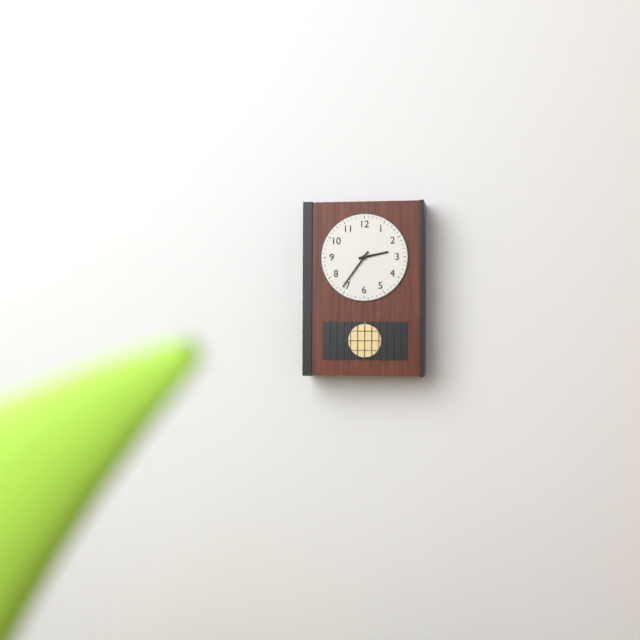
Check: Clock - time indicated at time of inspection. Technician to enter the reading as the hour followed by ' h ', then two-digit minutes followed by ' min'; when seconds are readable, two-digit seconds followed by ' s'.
2 h 36 min
